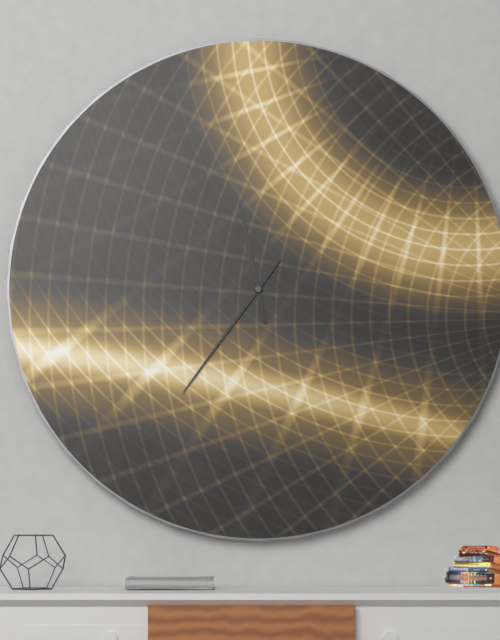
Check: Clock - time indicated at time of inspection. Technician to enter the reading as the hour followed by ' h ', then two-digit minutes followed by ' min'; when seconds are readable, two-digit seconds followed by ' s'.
11 h 36 min
